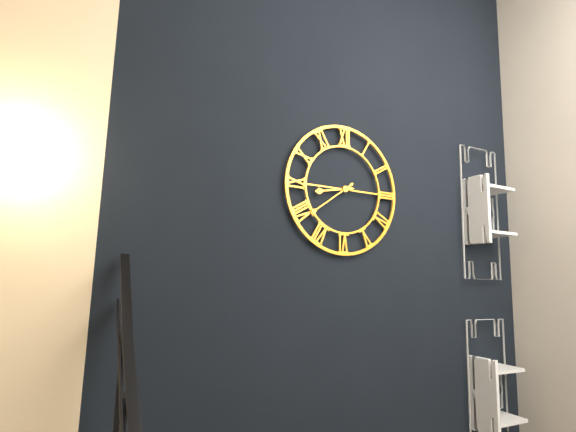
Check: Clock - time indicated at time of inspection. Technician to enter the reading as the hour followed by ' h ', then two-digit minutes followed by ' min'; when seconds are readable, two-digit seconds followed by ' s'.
8 h 39 min
